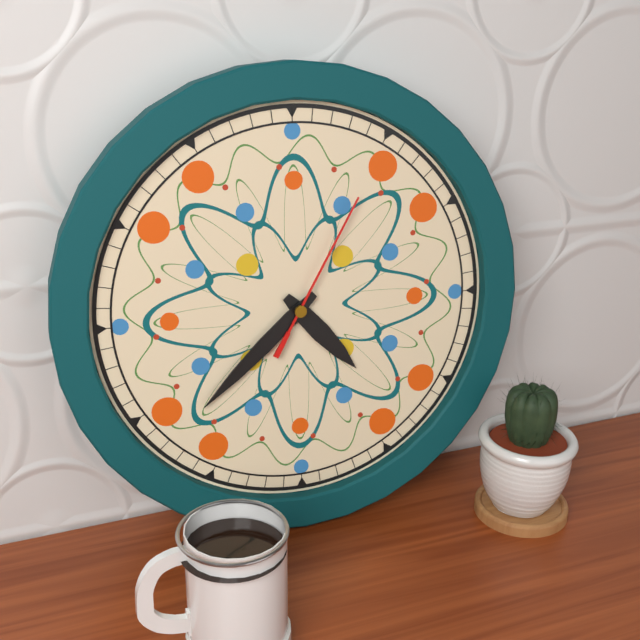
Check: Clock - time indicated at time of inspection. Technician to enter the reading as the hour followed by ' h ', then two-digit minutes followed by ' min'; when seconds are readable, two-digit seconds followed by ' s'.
4 h 38 min 05 s
